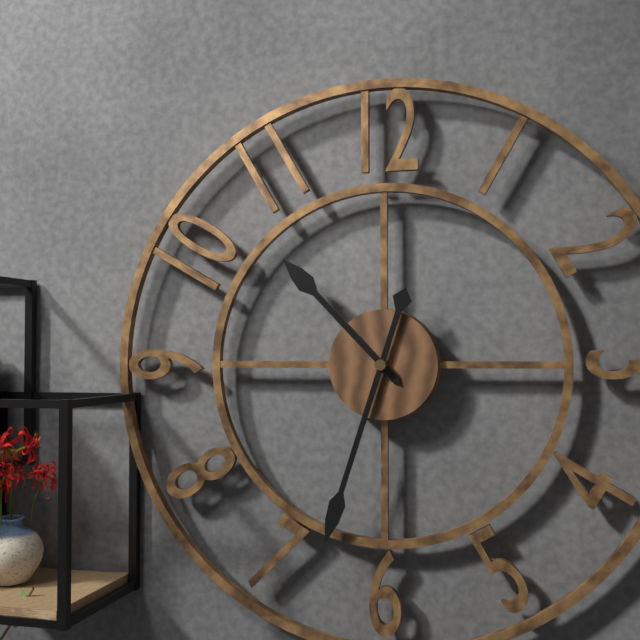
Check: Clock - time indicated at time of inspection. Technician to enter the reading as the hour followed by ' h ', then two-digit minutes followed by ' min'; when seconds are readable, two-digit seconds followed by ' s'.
10 h 33 min
